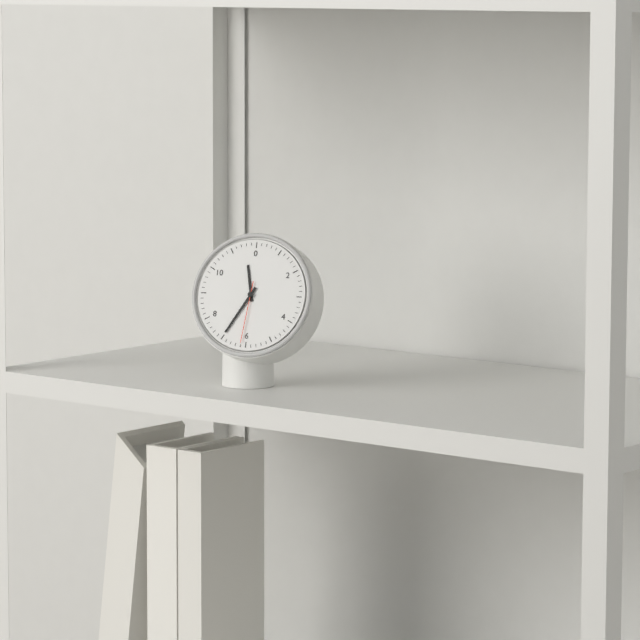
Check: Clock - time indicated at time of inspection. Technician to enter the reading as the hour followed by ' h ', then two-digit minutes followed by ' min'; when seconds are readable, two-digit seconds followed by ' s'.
11 h 35 min 31 s
